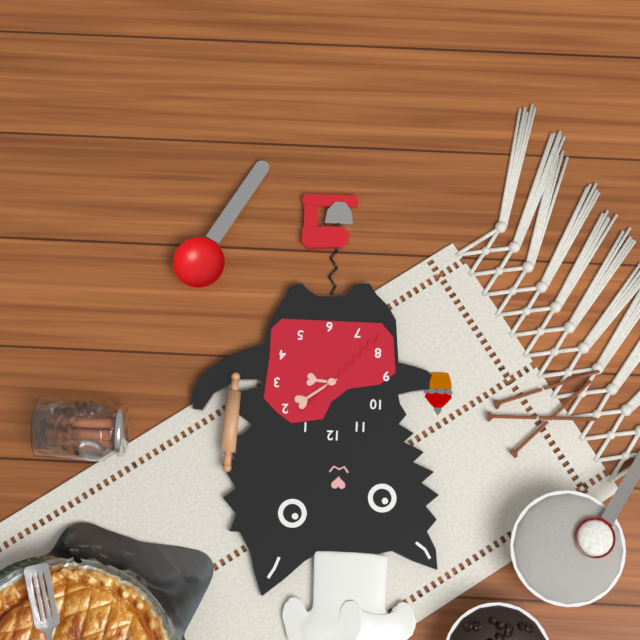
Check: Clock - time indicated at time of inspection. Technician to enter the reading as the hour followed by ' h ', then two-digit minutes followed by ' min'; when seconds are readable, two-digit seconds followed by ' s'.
3 h 09 min 37 s
